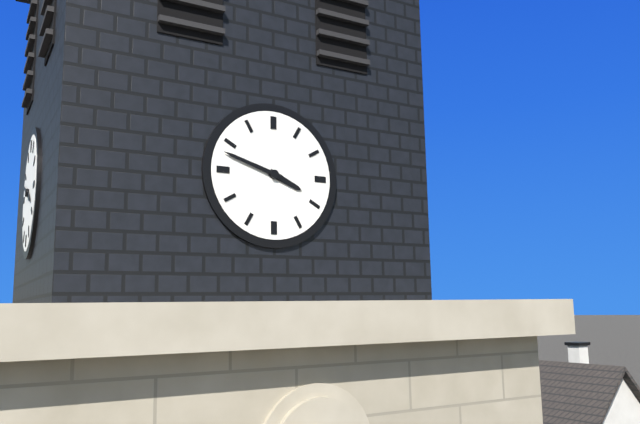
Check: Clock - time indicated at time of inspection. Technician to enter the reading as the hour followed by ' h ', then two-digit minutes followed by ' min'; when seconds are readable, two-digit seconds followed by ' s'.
3 h 48 min
